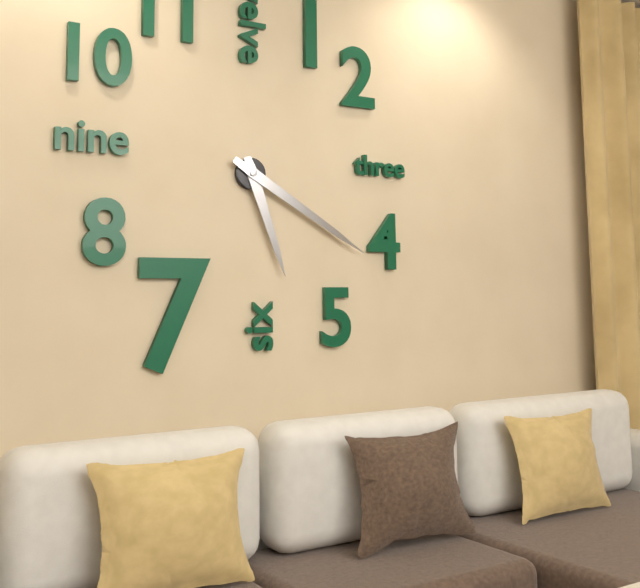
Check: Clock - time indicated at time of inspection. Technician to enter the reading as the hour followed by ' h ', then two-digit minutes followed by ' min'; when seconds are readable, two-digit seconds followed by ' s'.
5 h 20 min
